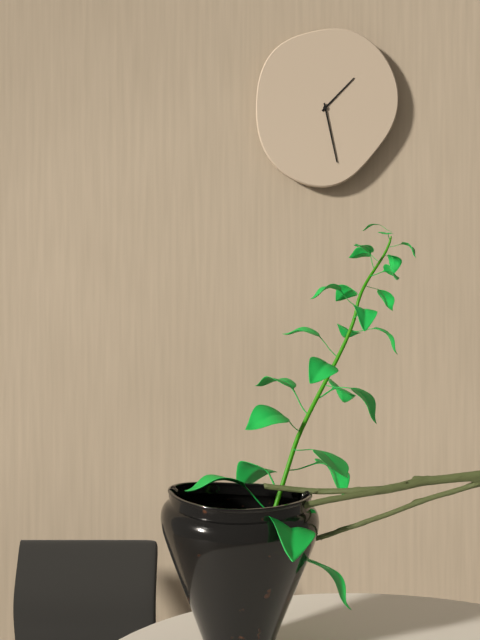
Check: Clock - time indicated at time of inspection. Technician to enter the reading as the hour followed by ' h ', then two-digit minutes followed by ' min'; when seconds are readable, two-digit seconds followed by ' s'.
1 h 28 min
